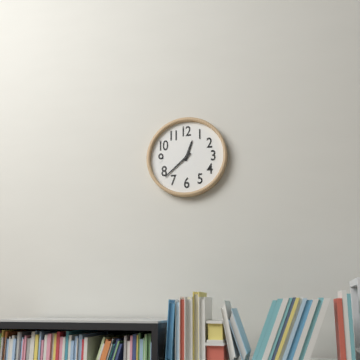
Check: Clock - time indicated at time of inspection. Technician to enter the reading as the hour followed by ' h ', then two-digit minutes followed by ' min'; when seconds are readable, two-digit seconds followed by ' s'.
12 h 38 min
